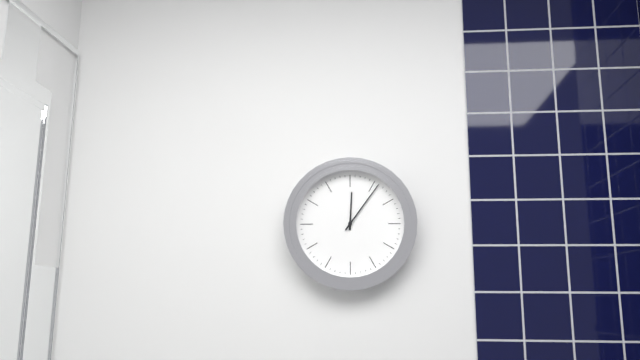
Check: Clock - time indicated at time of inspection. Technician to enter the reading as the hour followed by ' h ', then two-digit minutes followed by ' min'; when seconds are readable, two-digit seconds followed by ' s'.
12 h 06 min
